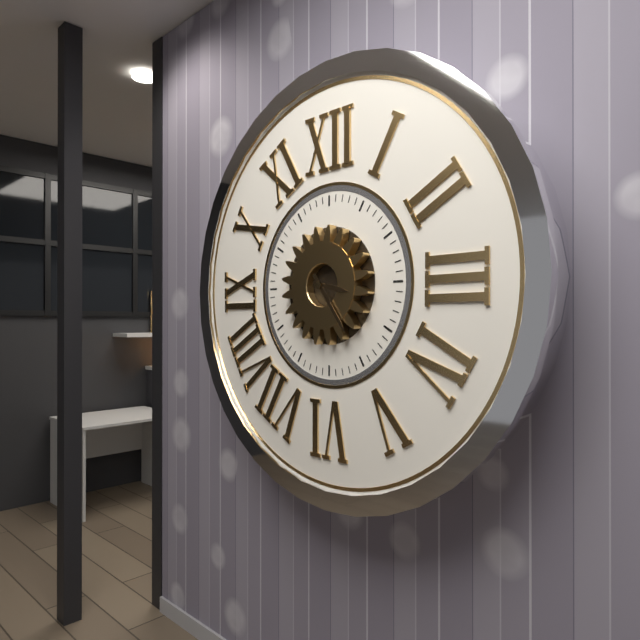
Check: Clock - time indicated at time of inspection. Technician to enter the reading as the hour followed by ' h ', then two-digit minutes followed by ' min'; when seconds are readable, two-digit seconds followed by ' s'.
3 h 24 min
